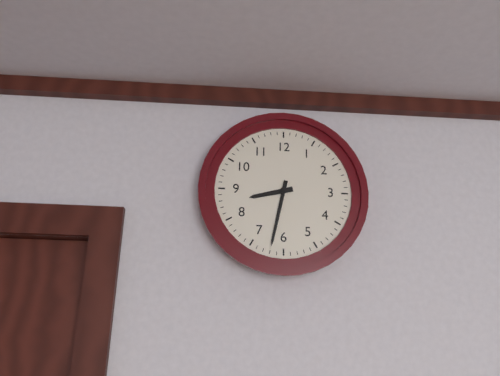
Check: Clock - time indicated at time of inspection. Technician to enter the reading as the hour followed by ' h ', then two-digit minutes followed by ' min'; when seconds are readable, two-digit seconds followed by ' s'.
8 h 32 min
